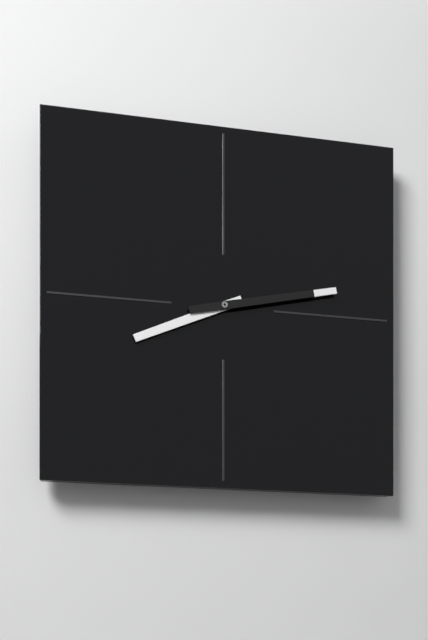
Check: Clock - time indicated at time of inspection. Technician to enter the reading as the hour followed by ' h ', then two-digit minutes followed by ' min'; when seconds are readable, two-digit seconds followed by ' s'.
8 h 13 min
